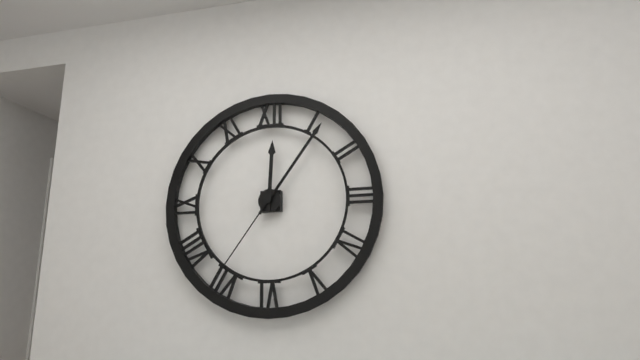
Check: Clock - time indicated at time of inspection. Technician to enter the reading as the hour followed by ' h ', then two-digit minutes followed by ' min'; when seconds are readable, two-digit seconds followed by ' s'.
12 h 06 min 36 s
